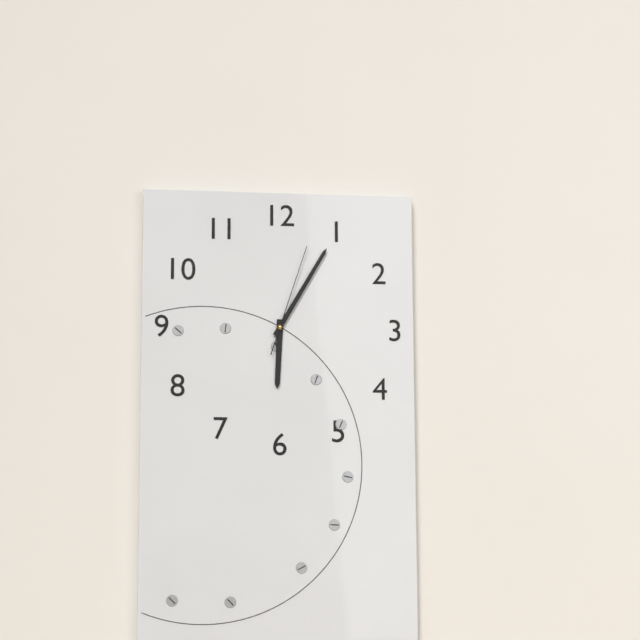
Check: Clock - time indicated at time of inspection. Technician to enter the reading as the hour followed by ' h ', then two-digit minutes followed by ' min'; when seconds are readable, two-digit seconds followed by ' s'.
6 h 05 min 03 s
